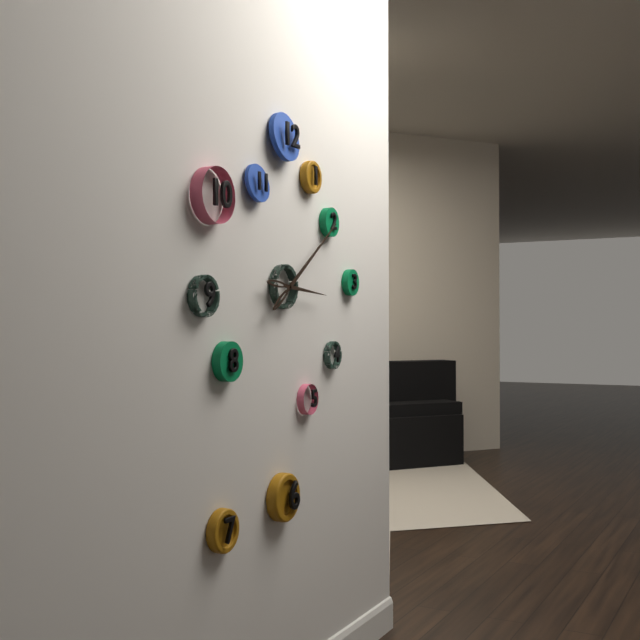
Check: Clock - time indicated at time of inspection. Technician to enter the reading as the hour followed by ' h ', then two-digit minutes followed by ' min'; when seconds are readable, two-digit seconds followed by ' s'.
3 h 09 min
